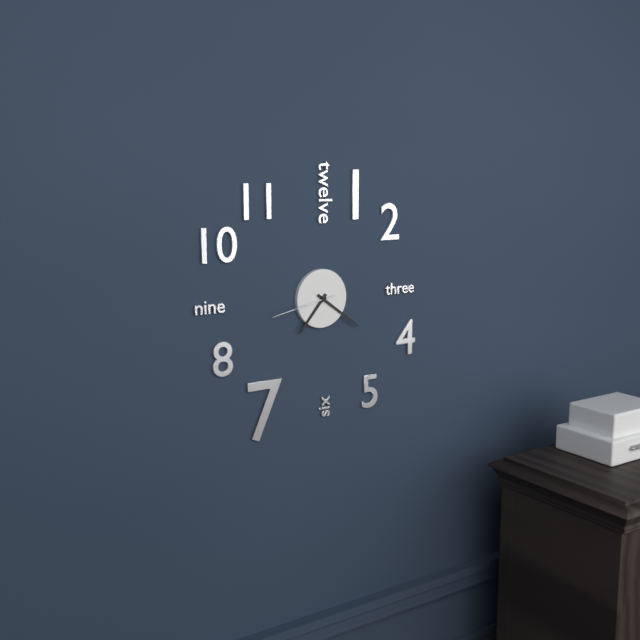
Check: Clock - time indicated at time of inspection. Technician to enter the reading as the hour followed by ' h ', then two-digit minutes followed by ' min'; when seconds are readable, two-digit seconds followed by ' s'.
7 h 21 min 43 s
